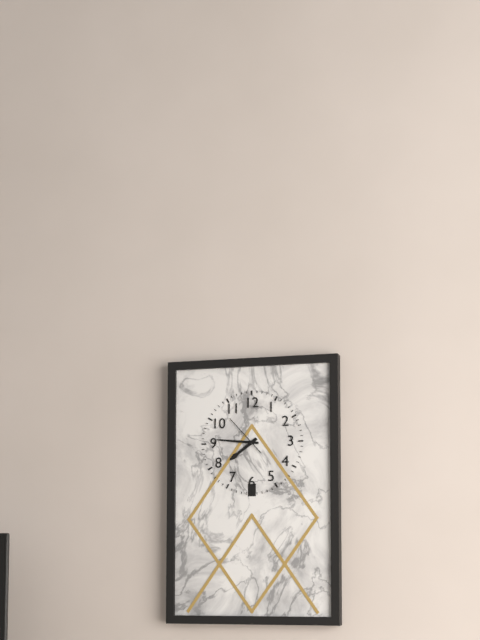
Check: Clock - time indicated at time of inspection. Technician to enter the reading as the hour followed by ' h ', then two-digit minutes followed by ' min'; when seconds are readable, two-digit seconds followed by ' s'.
7 h 46 min
